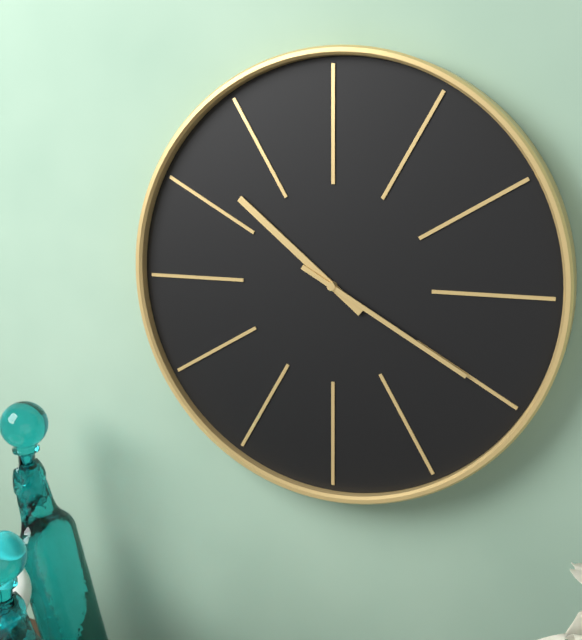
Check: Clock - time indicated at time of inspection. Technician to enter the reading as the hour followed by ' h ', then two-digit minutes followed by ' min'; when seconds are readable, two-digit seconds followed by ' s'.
10 h 20 min
